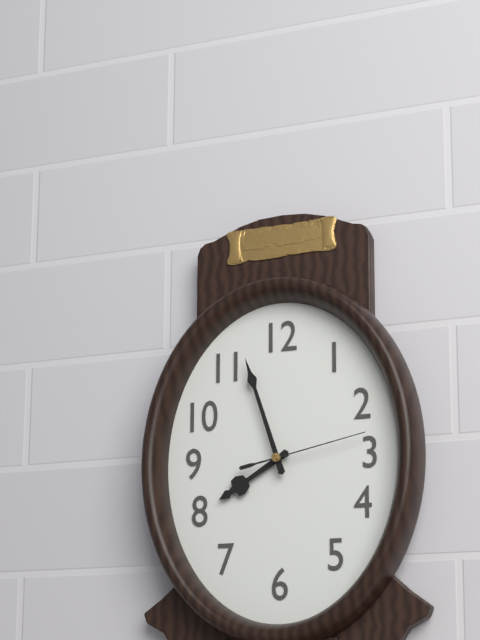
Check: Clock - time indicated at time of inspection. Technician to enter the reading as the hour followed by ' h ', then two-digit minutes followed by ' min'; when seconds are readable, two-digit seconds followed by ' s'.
7 h 57 min 13 s
